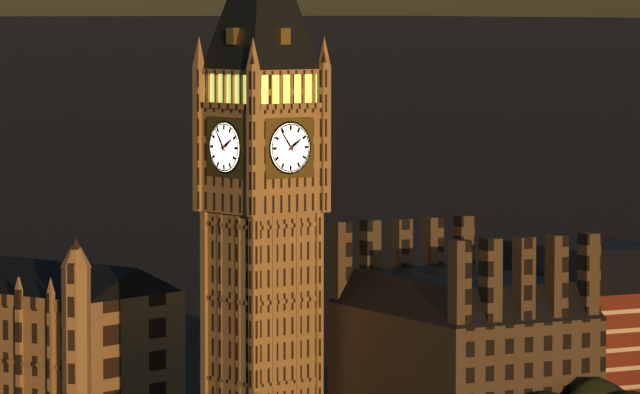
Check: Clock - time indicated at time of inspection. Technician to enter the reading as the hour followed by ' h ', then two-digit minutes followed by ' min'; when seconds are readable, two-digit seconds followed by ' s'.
1 h 54 min
